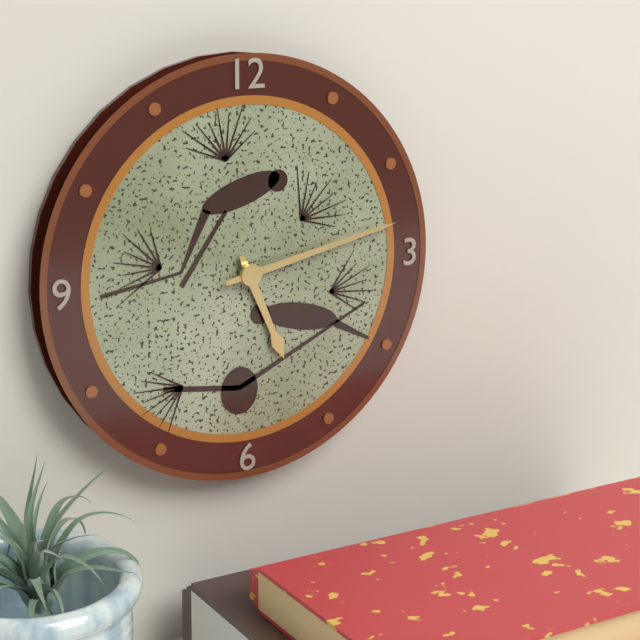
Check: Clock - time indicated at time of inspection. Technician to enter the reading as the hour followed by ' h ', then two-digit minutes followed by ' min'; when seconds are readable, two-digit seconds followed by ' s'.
5 h 13 min
